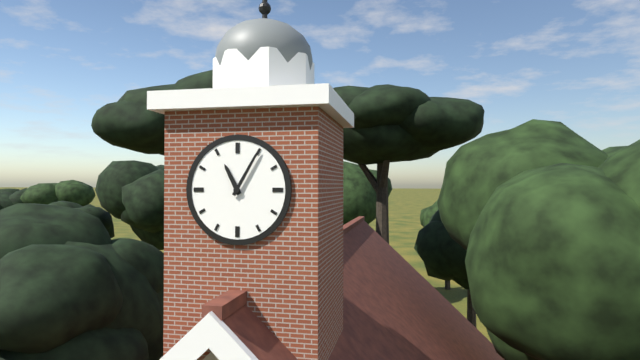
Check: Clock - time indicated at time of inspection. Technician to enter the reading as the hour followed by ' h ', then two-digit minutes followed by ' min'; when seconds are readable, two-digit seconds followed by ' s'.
11 h 05 min
